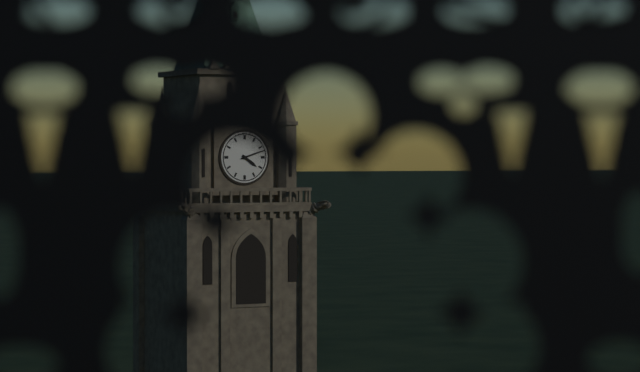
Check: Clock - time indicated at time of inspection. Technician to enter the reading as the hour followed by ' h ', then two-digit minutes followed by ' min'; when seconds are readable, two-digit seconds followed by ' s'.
4 h 12 min
